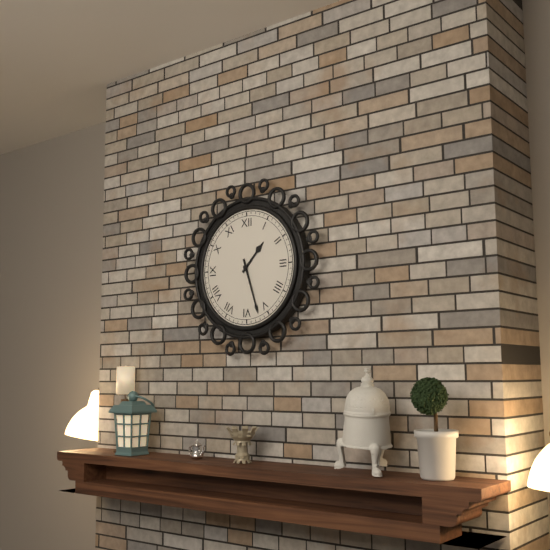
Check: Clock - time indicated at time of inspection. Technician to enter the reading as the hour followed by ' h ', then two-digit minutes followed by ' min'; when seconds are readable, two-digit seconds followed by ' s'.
1 h 27 min
